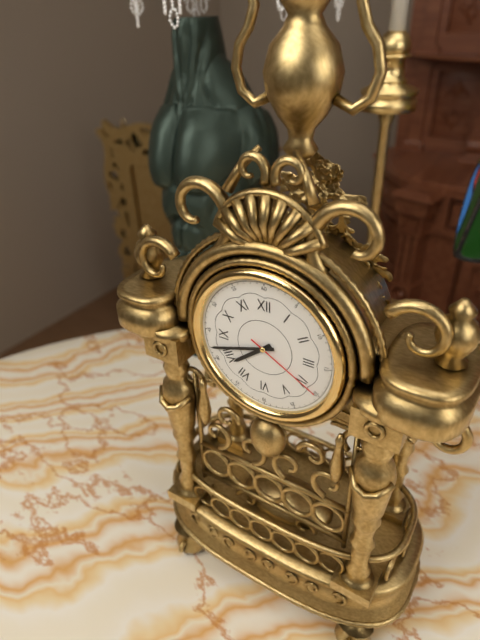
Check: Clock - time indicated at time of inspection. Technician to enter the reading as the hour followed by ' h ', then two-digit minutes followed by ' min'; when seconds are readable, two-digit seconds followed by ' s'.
7 h 42 min 20 s
